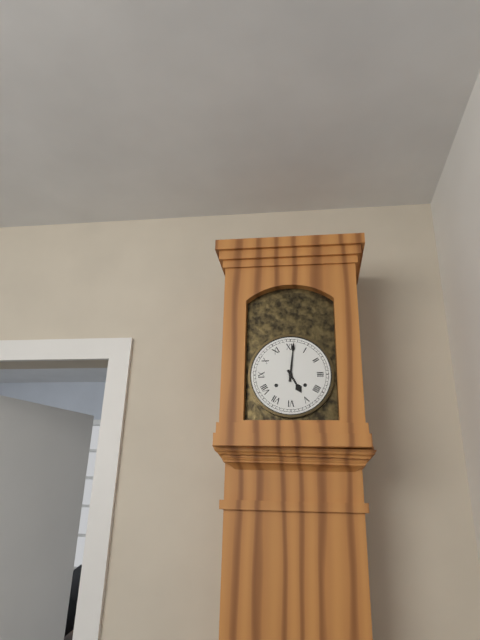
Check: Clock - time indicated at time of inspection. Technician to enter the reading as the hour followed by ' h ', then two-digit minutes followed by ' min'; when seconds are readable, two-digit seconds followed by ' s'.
5 h 01 min
